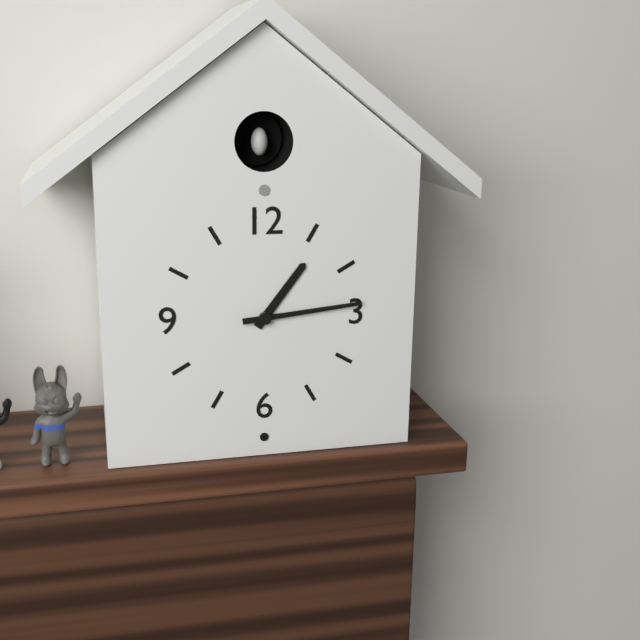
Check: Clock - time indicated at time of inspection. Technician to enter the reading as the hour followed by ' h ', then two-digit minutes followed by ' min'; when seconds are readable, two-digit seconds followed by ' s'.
1 h 14 min
